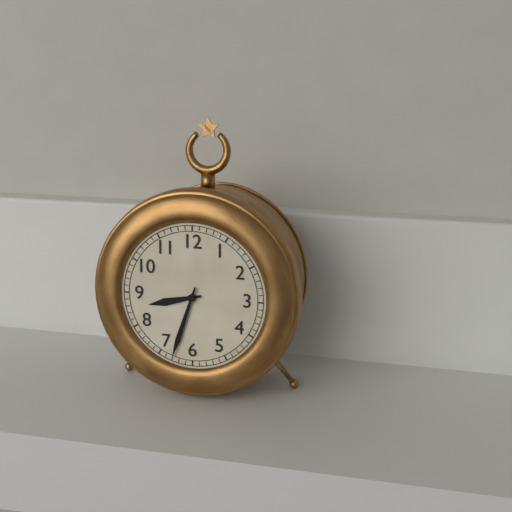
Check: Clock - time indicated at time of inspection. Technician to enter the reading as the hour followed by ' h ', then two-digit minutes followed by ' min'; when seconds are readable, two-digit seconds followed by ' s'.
8 h 33 min
